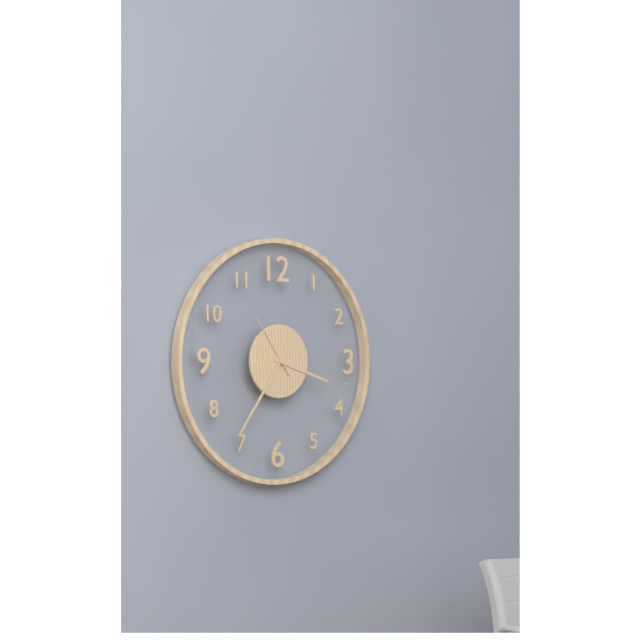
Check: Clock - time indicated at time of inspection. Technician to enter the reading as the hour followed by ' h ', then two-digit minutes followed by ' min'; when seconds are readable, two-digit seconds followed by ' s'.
3 h 36 min 54 s
